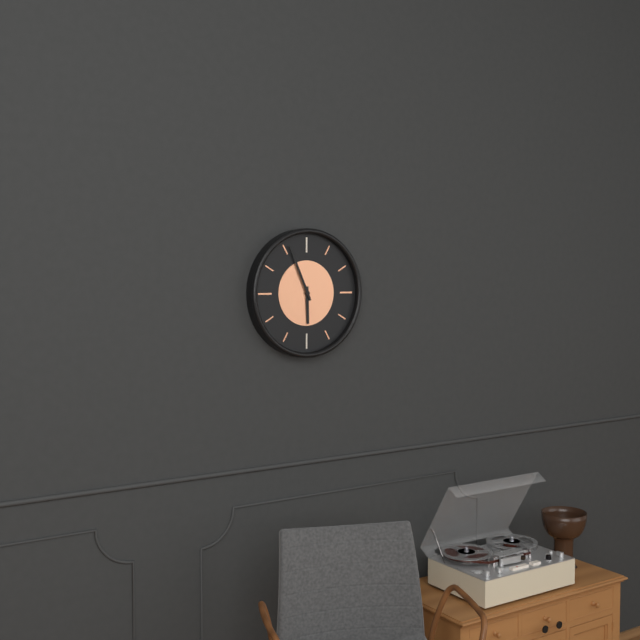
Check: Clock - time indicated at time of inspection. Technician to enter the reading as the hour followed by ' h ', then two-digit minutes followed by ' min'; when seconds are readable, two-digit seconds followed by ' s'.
5 h 56 min
